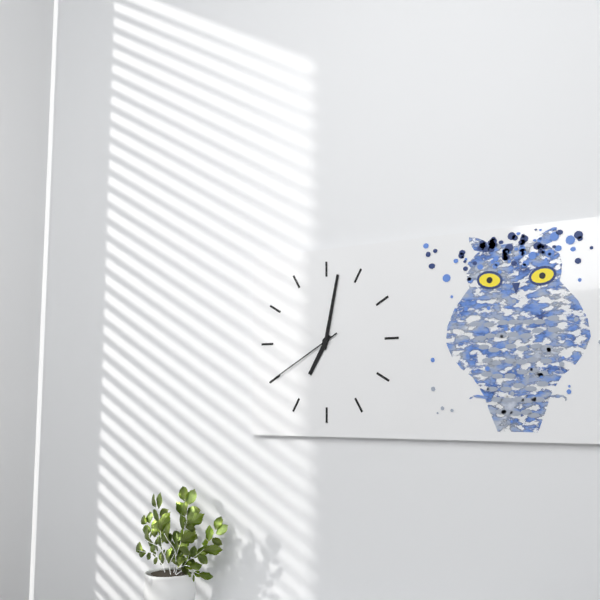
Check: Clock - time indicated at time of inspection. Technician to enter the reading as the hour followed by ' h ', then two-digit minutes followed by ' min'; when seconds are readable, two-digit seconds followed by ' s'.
7 h 02 min 40 s
